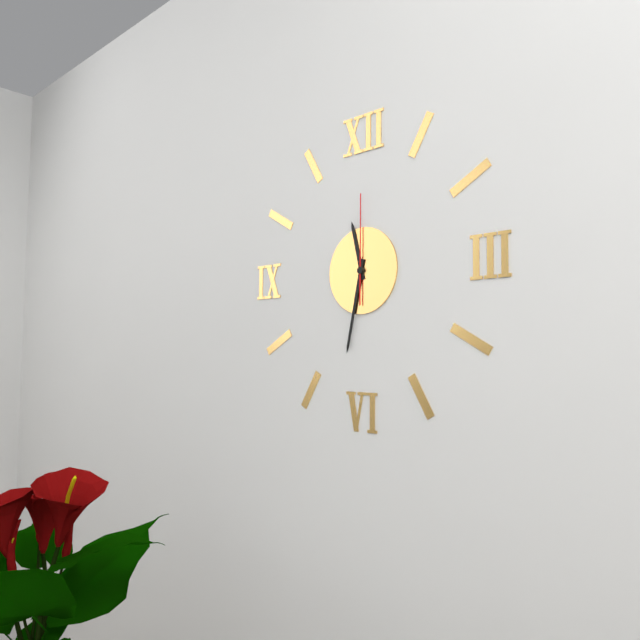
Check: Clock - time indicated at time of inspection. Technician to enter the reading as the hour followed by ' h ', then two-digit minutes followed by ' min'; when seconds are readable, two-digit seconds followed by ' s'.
11 h 32 min 00 s
